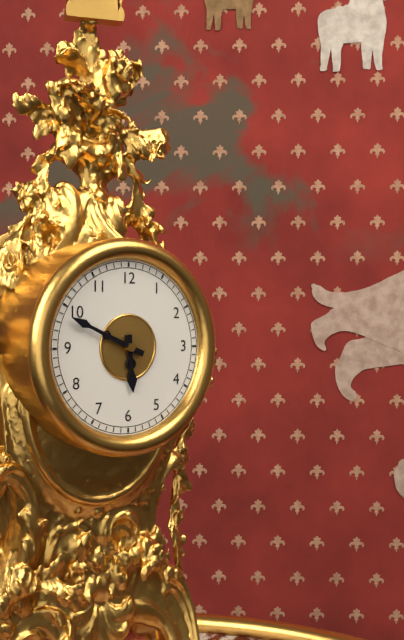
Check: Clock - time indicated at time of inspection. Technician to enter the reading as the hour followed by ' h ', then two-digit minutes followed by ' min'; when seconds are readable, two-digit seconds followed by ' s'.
5 h 49 min
